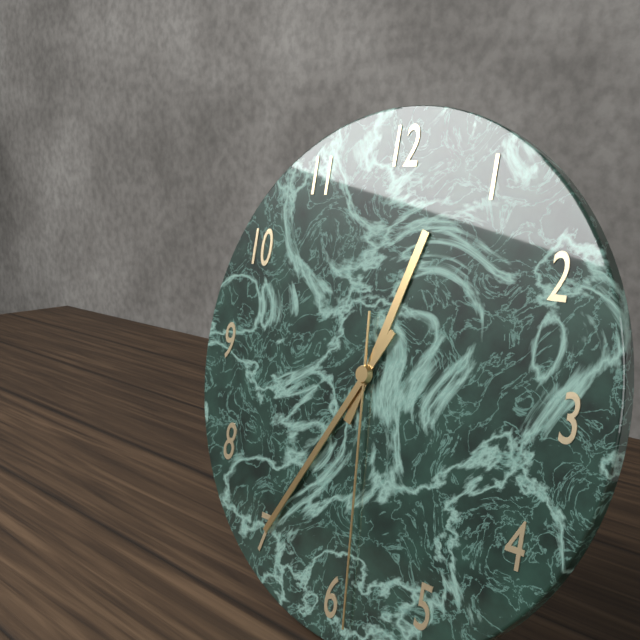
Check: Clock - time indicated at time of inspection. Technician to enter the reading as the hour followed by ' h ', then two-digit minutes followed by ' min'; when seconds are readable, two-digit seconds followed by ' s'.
12 h 35 min 29 s
